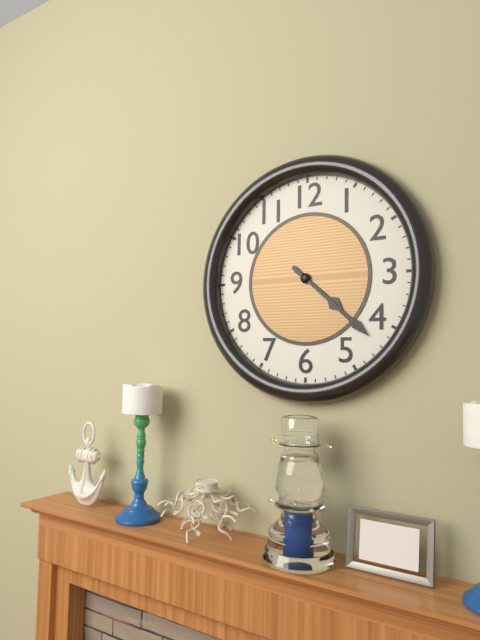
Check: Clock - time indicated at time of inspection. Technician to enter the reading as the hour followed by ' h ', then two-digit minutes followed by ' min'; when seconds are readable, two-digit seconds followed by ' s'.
4 h 22 min
